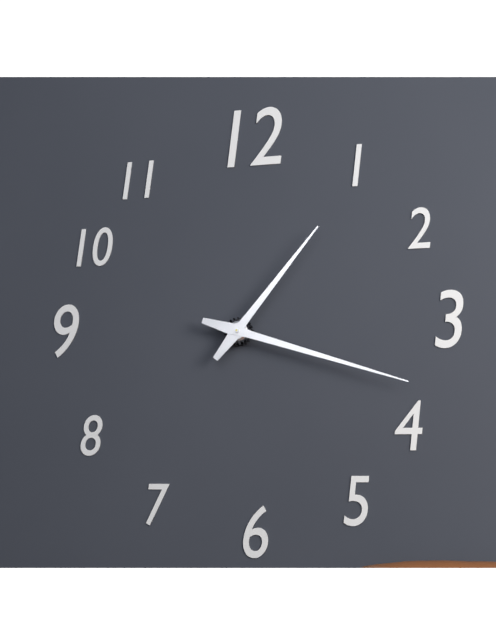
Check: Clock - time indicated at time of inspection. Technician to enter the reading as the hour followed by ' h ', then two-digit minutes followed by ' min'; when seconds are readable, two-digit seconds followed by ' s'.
1 h 18 min
